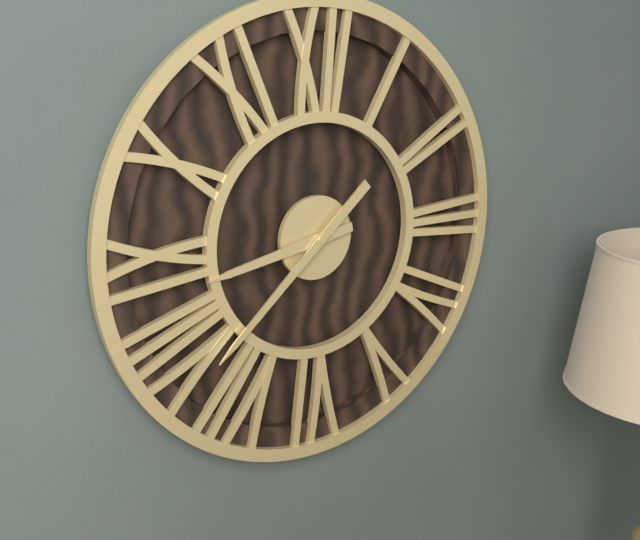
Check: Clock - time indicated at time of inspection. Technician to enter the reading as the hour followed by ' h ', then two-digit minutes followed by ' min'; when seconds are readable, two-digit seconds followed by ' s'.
8 h 38 min
